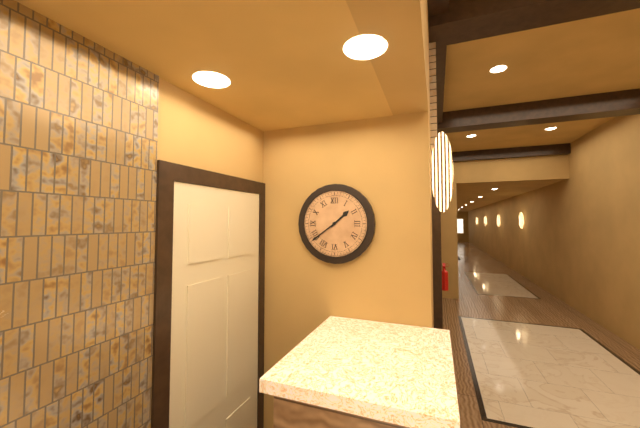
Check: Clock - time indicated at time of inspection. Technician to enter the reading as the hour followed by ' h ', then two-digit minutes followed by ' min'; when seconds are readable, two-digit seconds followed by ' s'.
1 h 39 min
